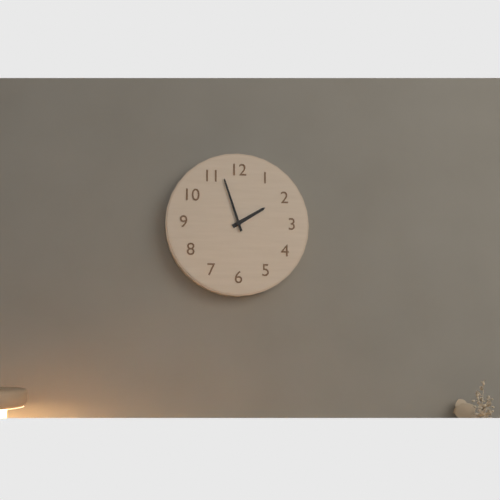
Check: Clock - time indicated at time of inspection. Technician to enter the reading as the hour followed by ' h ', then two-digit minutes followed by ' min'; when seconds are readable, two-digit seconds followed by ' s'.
1 h 57 min
